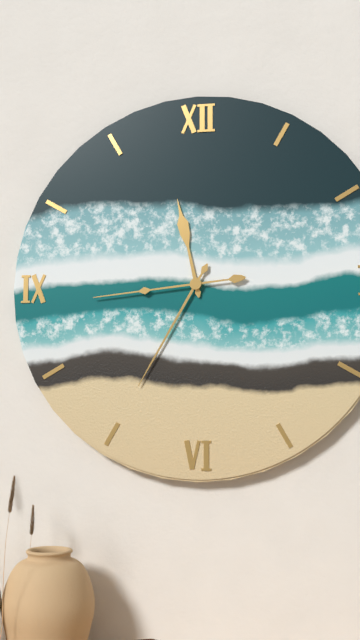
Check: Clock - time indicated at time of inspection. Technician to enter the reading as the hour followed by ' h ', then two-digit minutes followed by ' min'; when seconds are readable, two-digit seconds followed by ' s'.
11 h 35 min 44 s
